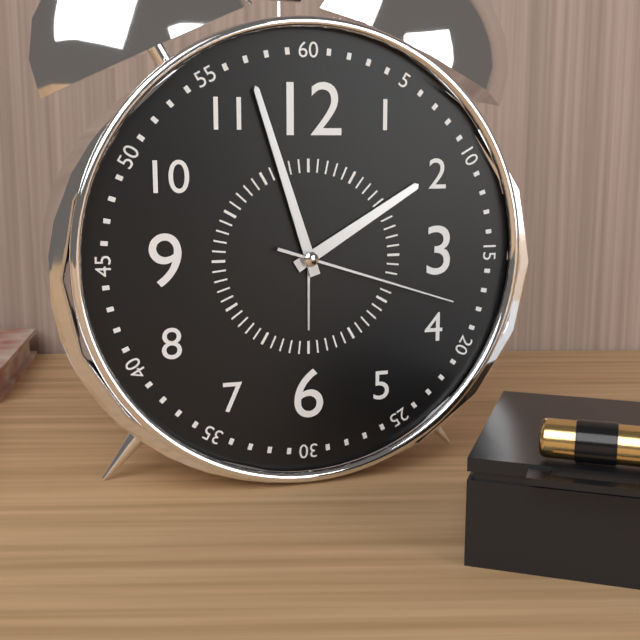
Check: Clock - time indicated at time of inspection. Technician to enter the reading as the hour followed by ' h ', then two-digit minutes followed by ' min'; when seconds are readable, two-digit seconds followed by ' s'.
1 h 57 min 18 s
